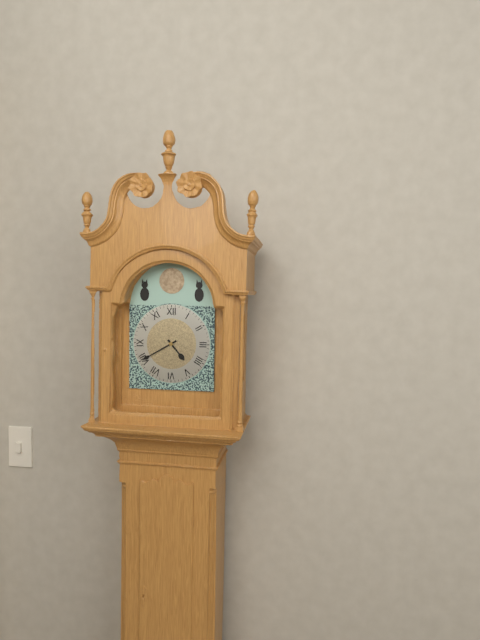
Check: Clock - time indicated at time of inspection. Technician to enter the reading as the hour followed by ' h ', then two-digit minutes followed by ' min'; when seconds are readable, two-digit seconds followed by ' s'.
4 h 40 min
